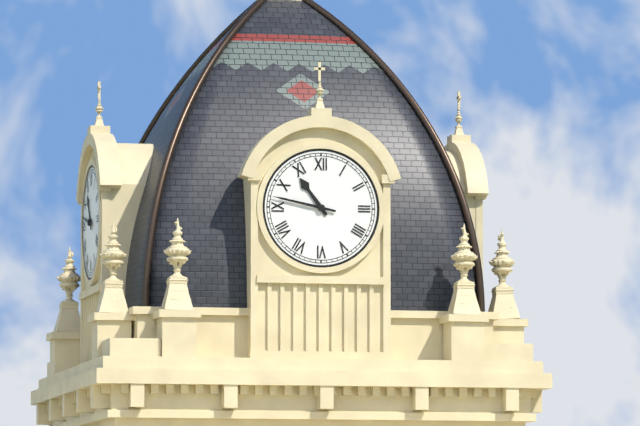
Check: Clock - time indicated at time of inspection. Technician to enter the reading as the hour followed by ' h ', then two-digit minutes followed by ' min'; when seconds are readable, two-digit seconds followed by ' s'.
10 h 47 min
